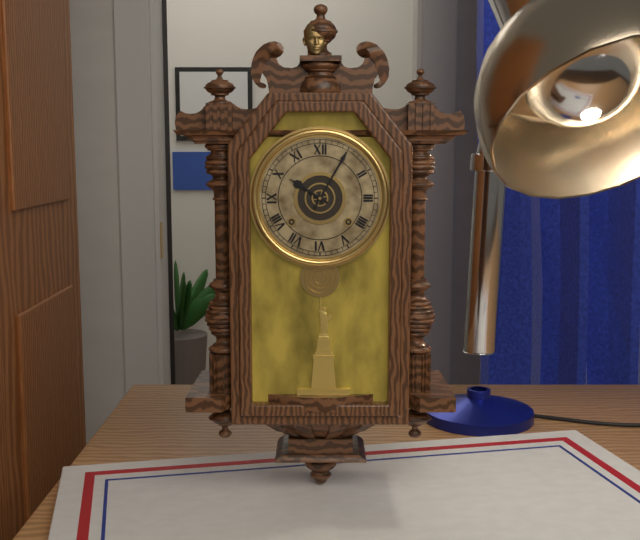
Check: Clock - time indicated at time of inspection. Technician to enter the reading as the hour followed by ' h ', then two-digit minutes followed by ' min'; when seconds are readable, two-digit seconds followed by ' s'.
10 h 05 min
